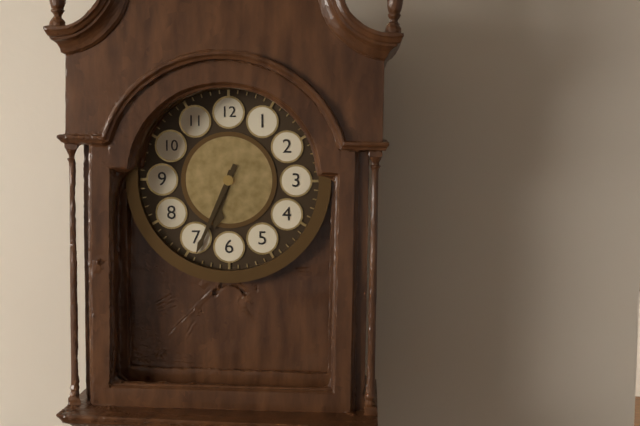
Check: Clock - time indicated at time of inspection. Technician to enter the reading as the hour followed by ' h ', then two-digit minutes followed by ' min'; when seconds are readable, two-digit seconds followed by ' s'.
6 h 34 min
